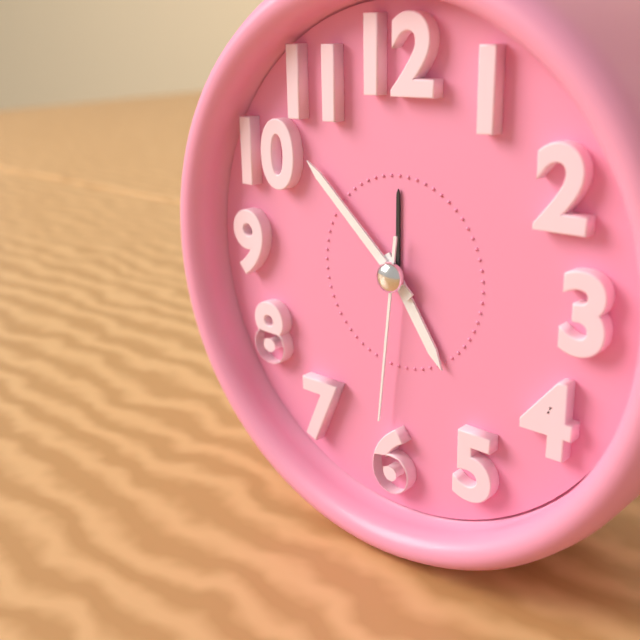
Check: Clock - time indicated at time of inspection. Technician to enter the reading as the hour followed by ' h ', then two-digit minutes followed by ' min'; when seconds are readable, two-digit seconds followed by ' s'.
4 h 52 min 31 s
